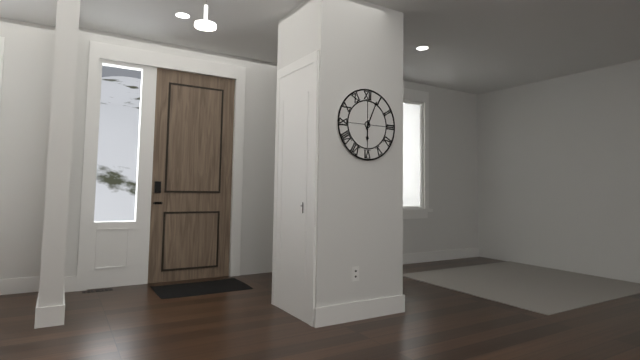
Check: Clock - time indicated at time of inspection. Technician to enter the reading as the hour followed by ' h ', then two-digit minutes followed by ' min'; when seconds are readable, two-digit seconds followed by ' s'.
6 h 04 min
